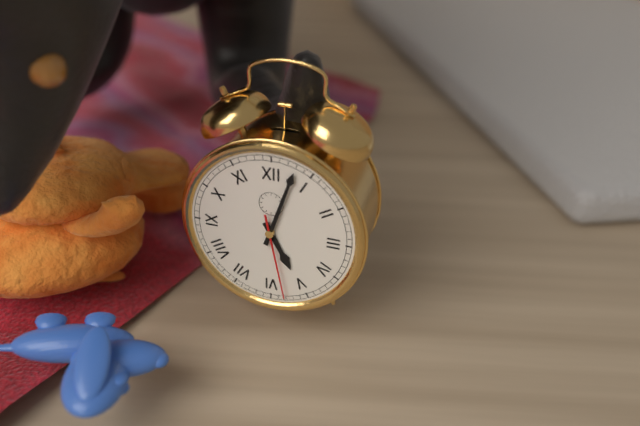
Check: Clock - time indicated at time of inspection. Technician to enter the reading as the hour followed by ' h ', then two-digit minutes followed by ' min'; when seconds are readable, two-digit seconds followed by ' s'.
5 h 03 min 28 s
